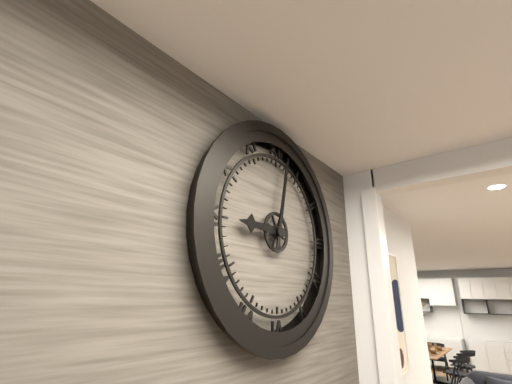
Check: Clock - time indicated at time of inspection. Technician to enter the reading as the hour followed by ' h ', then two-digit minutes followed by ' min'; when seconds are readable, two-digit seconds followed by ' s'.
9 h 02 min
